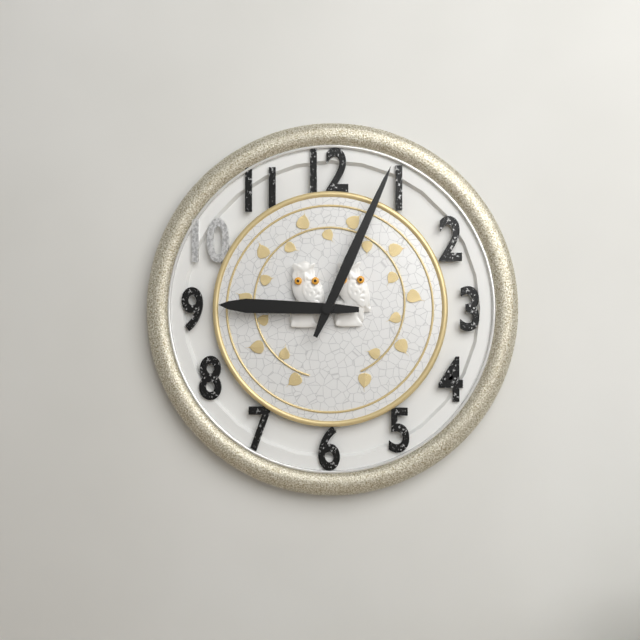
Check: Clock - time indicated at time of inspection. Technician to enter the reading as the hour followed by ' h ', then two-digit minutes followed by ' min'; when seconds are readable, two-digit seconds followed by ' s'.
9 h 04 min
